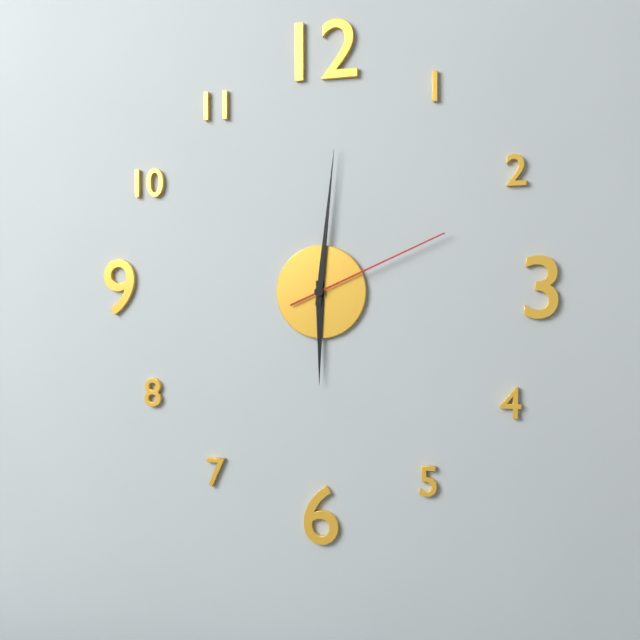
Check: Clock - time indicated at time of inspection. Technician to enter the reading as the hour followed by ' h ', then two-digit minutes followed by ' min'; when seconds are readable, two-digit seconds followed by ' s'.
6 h 01 min 11 s
